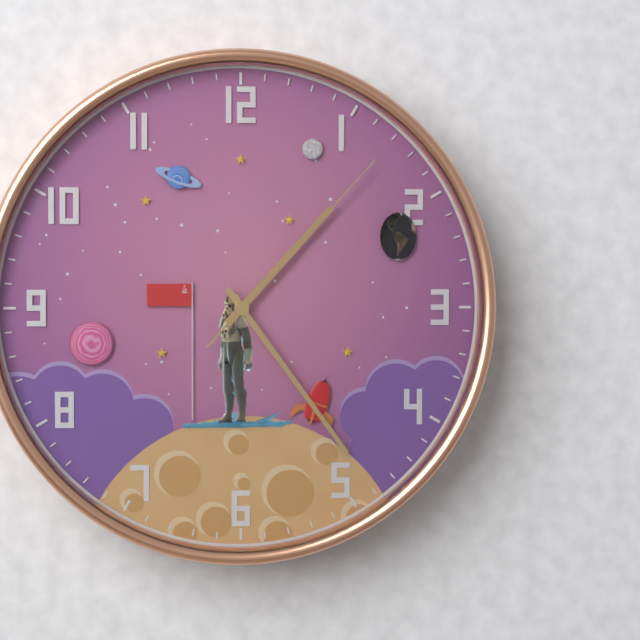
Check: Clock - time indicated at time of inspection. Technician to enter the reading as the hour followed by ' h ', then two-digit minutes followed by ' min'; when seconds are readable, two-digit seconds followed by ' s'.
1 h 24 min 07 s
